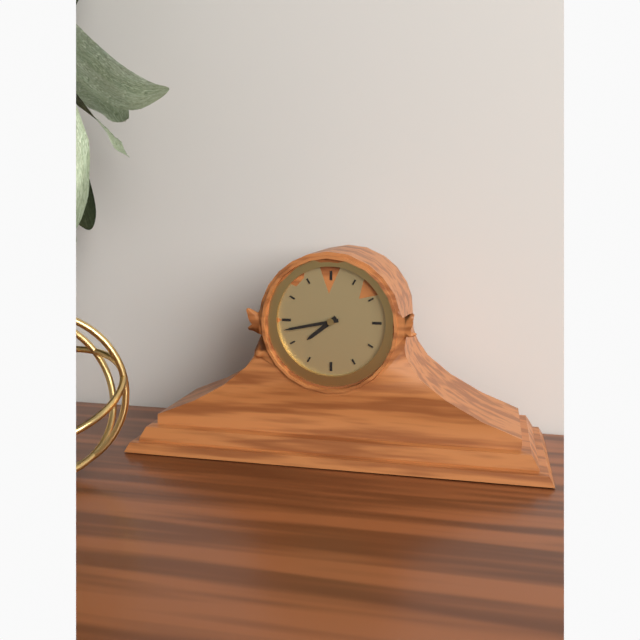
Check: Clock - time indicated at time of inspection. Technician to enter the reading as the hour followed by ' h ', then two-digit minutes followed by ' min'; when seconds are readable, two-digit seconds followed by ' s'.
7 h 43 min
